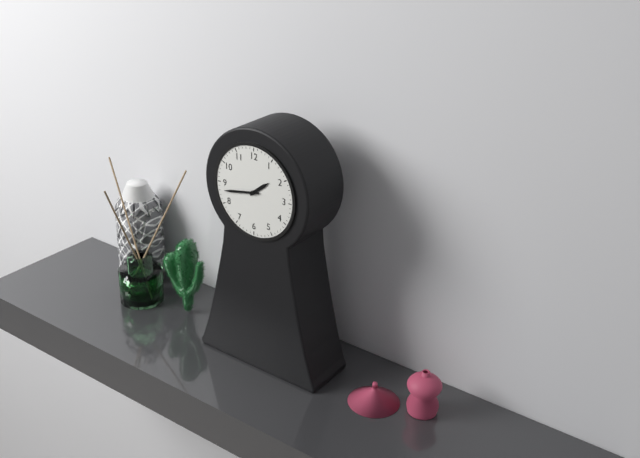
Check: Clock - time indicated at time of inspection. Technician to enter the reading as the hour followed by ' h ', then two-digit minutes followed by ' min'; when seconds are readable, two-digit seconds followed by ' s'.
1 h 43 min
